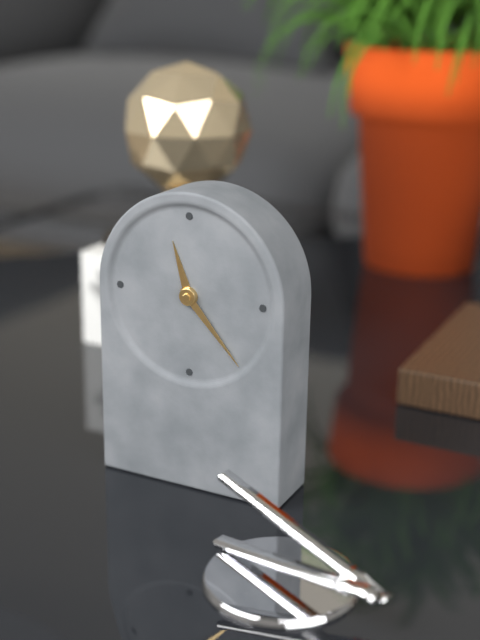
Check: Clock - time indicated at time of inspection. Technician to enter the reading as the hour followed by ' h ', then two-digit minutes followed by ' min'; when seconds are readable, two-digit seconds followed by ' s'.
11 h 23 min
